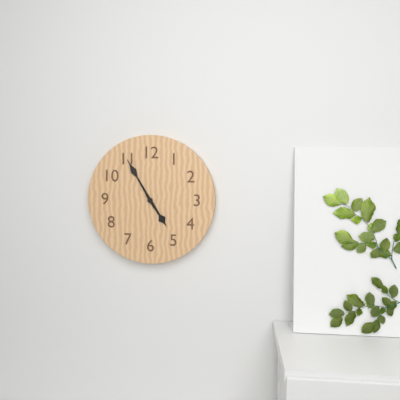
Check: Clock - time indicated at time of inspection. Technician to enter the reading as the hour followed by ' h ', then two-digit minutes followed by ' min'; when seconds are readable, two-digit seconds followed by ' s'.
4 h 55 min
